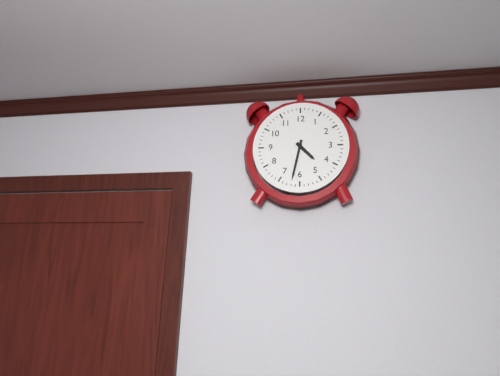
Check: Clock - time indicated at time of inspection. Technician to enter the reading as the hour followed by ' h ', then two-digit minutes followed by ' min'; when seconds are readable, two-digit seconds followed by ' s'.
4 h 32 min
